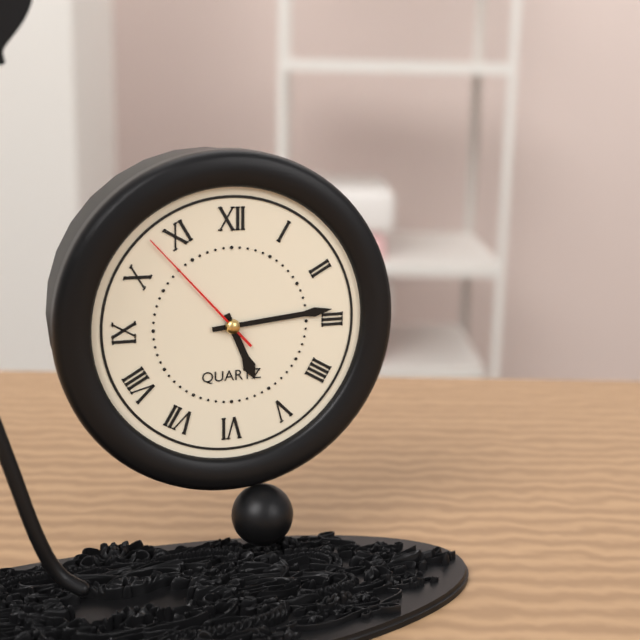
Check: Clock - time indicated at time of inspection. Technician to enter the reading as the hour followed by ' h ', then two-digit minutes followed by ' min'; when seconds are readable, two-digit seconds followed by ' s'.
5 h 14 min 53 s
